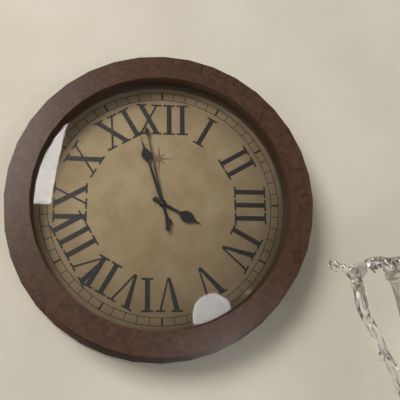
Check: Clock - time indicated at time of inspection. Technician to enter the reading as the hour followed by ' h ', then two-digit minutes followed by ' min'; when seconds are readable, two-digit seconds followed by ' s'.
3 h 57 min 58 s
